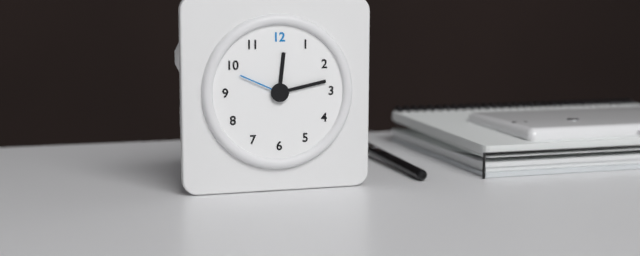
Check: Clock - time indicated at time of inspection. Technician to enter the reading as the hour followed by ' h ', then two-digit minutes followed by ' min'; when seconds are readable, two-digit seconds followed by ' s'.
12 h 13 min 49 s
